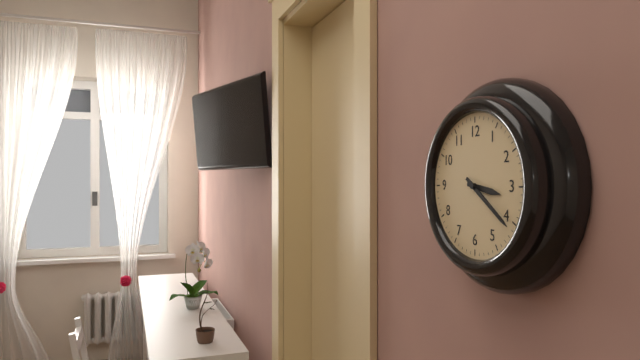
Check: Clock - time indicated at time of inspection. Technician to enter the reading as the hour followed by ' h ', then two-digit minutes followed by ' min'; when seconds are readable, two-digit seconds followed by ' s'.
3 h 21 min
